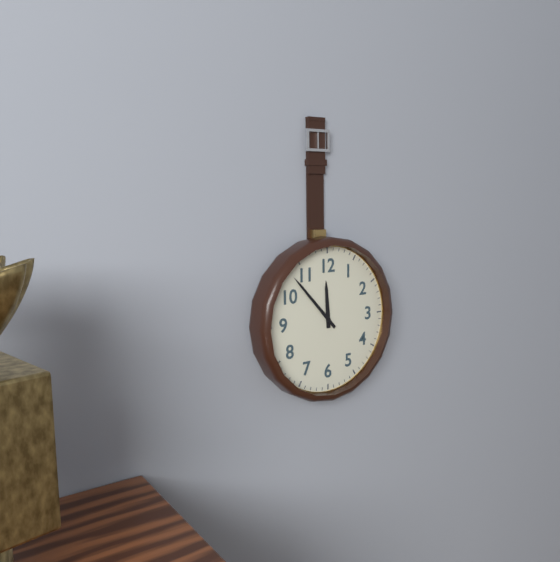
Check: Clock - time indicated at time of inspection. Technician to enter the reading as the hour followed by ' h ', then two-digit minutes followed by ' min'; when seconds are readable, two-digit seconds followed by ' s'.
11 h 53 min
